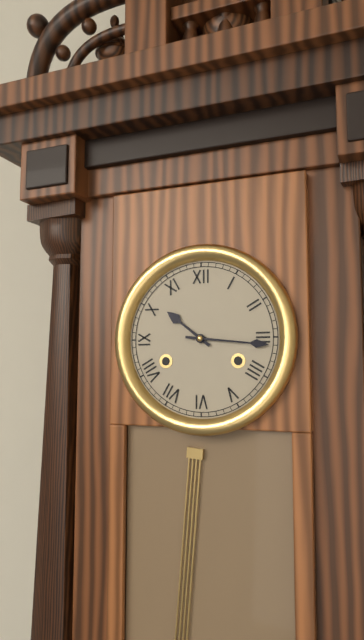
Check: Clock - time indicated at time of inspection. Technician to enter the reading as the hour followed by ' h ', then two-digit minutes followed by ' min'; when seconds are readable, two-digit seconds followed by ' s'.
10 h 16 min
